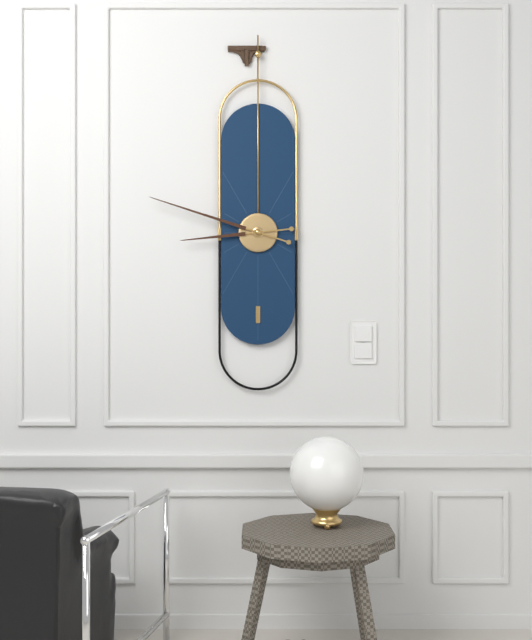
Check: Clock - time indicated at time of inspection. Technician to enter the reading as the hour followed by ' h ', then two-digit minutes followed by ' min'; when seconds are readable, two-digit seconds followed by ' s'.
8 h 48 min
